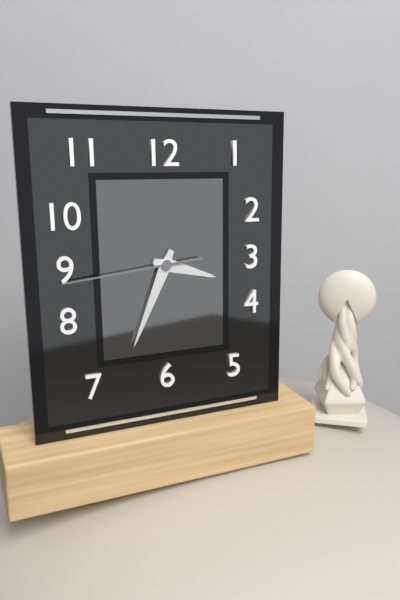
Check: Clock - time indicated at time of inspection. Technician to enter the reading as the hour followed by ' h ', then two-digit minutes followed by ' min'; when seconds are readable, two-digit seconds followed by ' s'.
3 h 34 min 44 s
